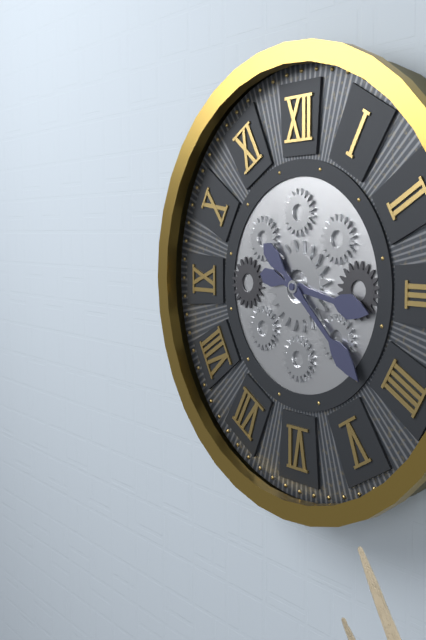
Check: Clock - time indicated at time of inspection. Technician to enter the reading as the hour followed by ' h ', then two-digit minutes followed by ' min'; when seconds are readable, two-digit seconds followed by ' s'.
3 h 22 min
